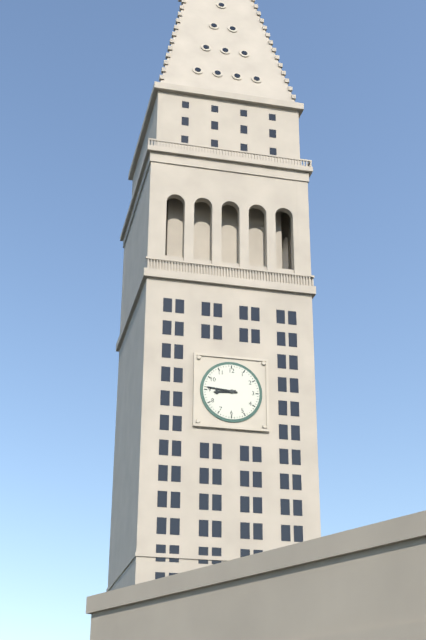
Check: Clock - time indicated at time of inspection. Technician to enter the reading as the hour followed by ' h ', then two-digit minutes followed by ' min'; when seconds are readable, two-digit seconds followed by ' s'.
8 h 46 min
